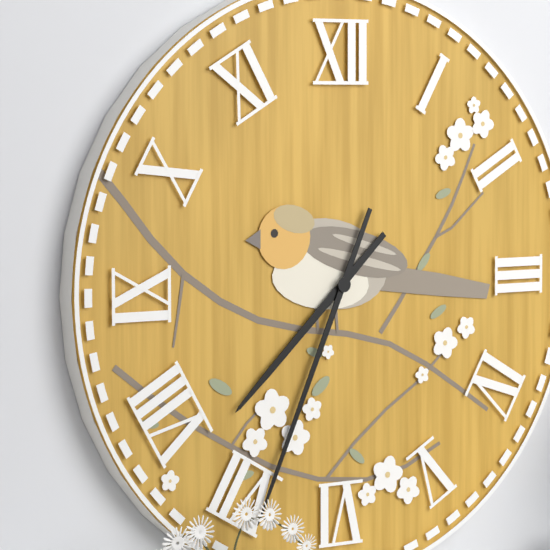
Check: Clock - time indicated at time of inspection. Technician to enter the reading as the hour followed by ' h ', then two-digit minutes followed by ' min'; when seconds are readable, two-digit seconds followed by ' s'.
7 h 34 min
